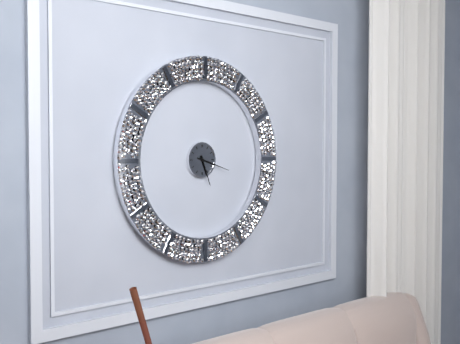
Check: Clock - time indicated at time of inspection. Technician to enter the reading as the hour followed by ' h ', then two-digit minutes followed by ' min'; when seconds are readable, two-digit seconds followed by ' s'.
5 h 18 min
